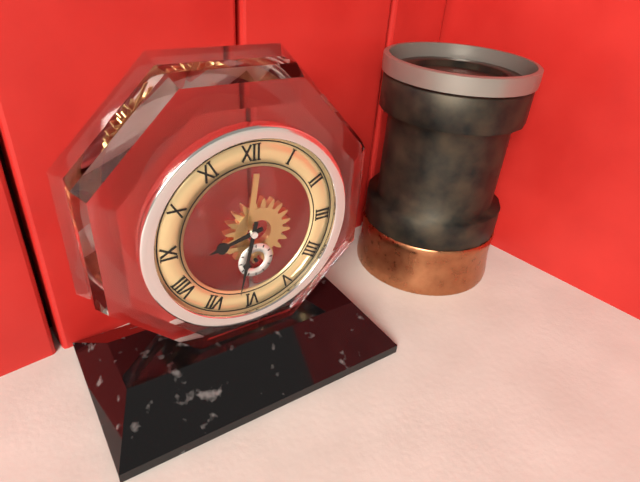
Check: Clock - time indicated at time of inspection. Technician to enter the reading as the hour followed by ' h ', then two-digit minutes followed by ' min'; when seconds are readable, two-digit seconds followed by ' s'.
8 h 32 min
